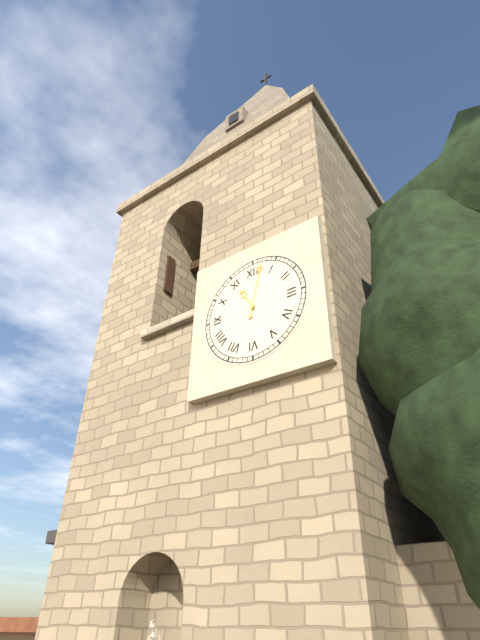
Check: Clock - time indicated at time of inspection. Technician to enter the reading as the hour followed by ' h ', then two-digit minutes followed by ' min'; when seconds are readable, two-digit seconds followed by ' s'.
11 h 02 min
